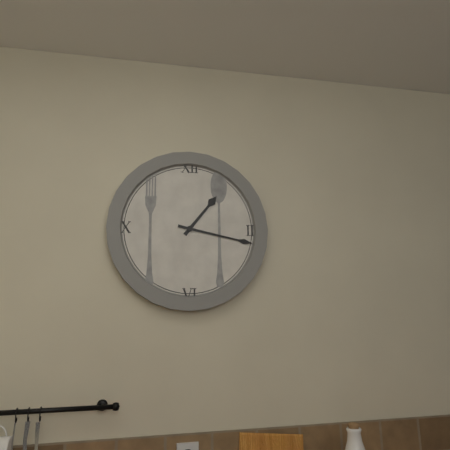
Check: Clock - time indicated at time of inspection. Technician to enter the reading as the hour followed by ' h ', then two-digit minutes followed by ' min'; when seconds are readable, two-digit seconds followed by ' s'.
1 h 17 min
